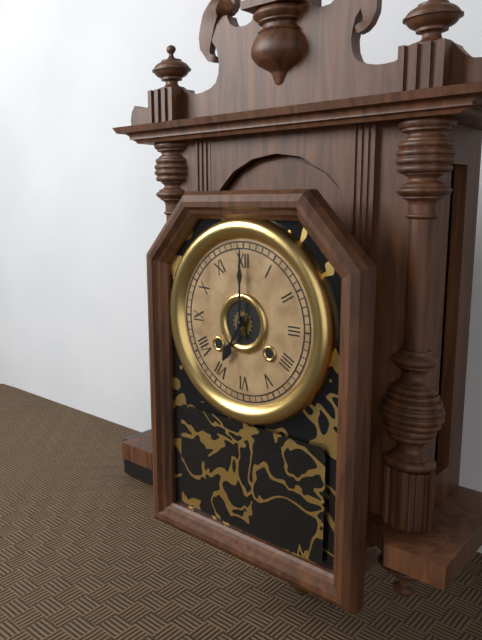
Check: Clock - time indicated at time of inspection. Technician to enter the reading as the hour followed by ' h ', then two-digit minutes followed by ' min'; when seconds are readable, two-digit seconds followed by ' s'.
7 h 00 min
